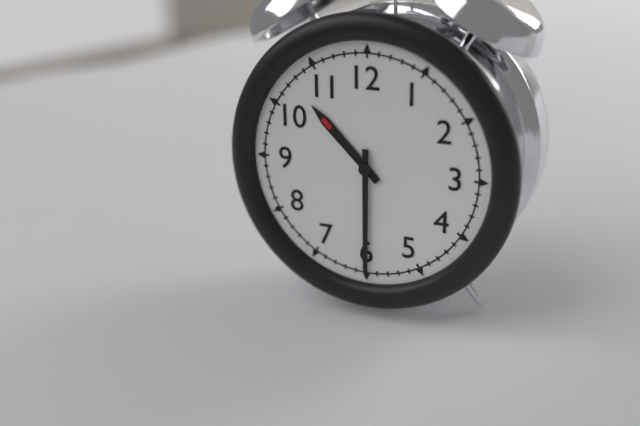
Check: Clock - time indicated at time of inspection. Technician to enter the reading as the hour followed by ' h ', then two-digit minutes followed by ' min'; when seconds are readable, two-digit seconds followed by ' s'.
10 h 30 min
